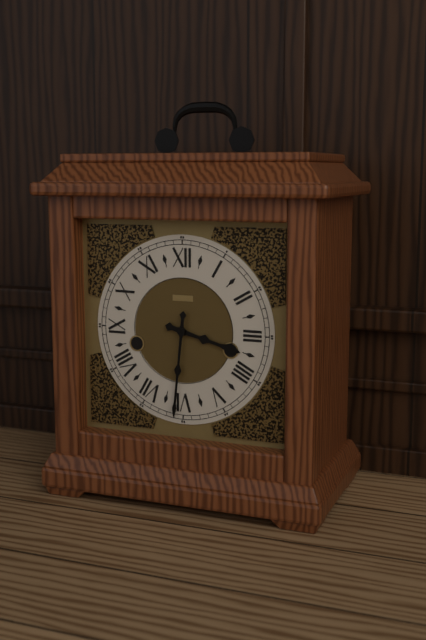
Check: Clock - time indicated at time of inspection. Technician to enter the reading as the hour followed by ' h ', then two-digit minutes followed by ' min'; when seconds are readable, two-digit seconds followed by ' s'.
3 h 31 min
